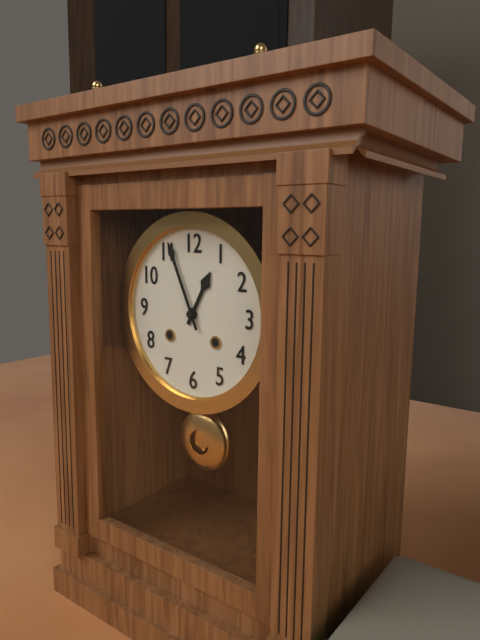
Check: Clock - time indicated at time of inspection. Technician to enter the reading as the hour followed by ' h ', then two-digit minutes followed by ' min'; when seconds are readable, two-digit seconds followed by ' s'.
12 h 56 min
